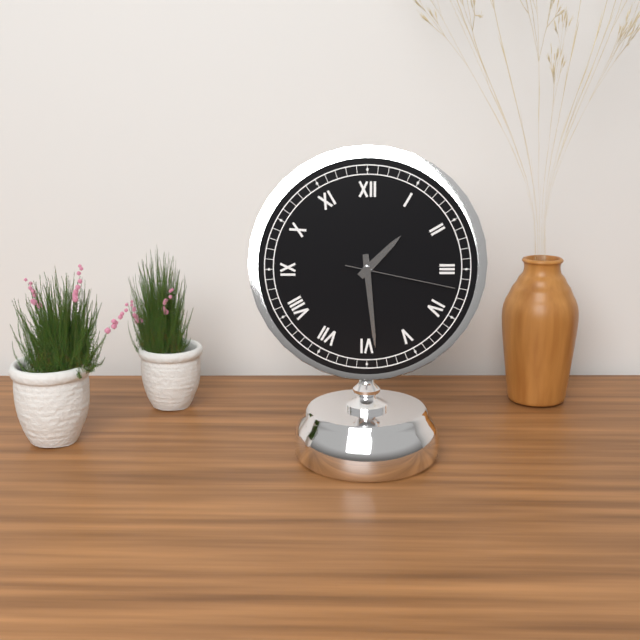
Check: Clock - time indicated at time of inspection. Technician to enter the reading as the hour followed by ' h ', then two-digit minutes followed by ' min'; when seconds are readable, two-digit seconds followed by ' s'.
1 h 29 min 17 s
